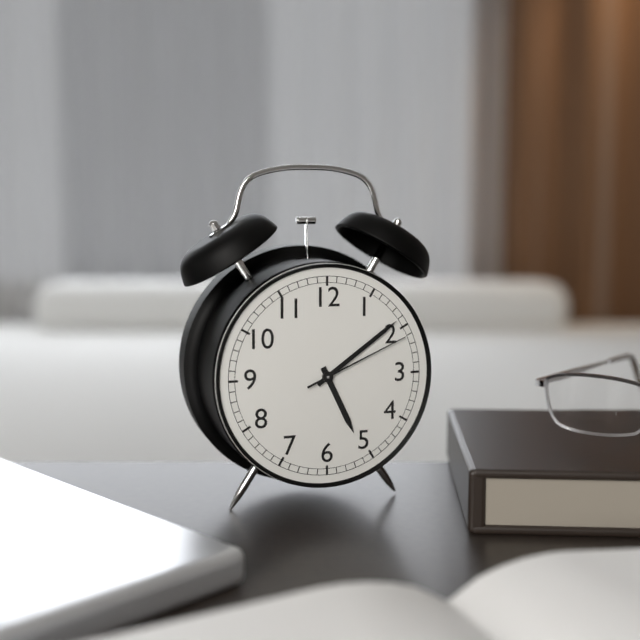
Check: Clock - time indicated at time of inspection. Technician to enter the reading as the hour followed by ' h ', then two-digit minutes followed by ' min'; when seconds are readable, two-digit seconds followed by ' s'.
5 h 09 min 11 s
